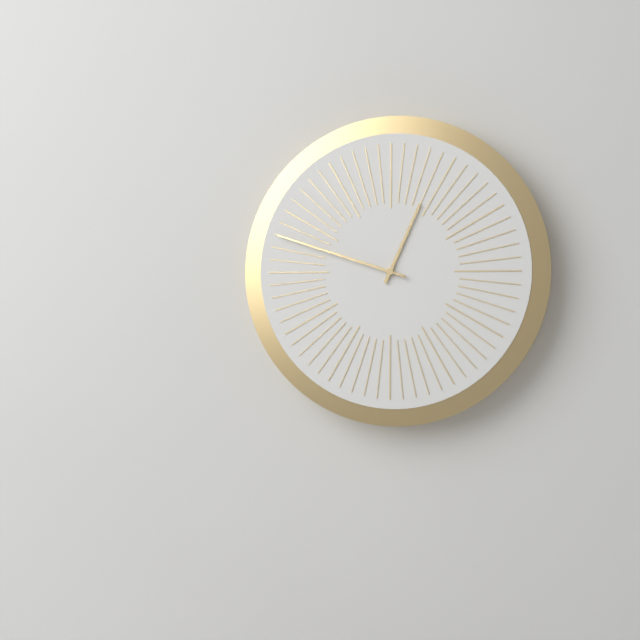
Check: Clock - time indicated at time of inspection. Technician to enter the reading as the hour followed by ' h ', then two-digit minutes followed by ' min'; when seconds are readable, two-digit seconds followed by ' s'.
12 h 48 min
